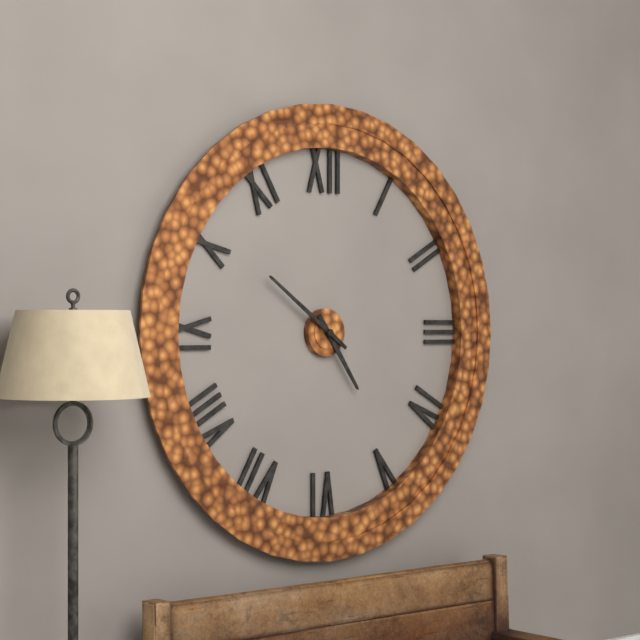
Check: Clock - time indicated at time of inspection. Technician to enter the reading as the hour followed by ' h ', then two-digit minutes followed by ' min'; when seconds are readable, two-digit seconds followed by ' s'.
4 h 51 min
